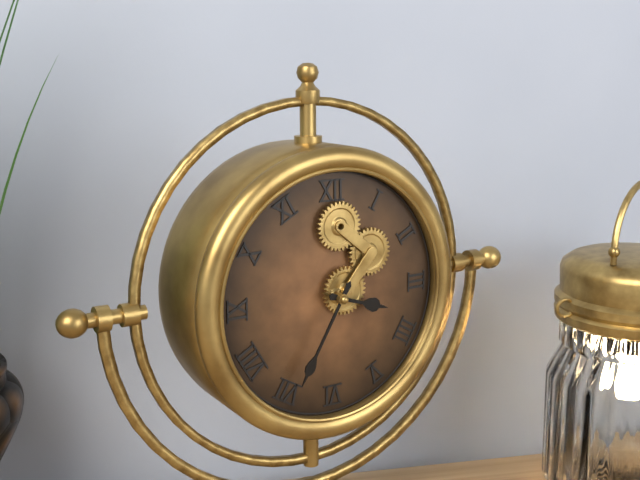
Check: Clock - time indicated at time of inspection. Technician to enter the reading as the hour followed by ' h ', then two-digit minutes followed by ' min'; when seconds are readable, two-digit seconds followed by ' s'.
3 h 35 min
